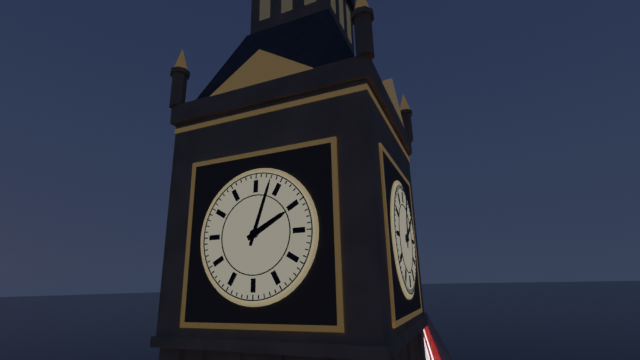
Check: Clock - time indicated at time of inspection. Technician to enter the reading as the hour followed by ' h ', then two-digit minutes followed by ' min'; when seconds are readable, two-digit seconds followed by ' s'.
2 h 03 min
